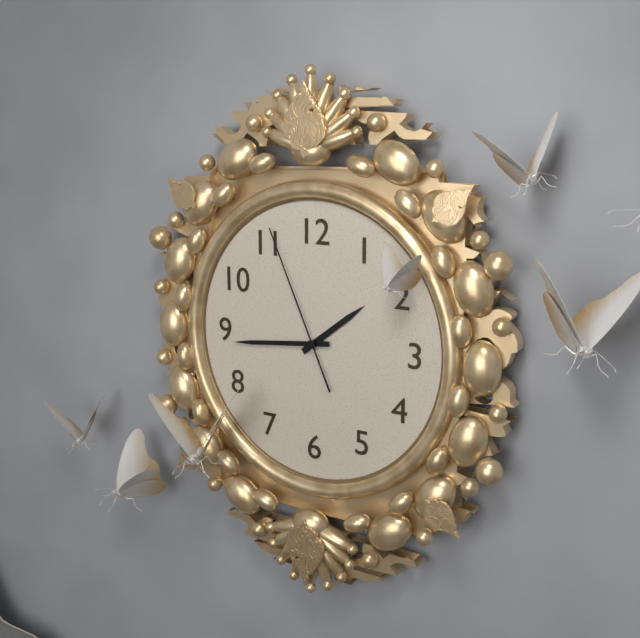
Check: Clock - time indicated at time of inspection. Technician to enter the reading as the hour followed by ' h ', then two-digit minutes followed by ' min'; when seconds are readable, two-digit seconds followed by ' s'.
1 h 44 min 56 s
